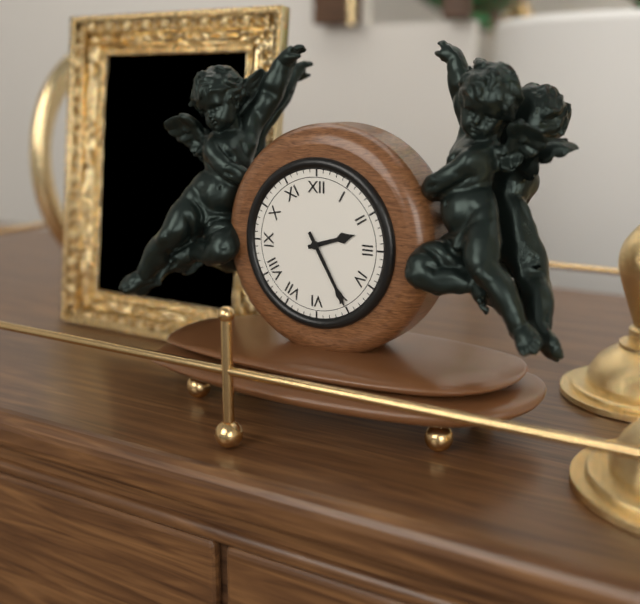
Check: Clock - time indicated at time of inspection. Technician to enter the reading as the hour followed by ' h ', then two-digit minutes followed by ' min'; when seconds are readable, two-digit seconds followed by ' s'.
2 h 25 min
